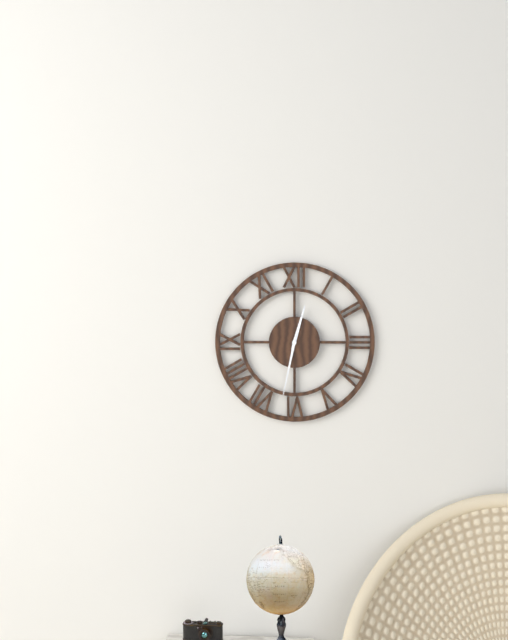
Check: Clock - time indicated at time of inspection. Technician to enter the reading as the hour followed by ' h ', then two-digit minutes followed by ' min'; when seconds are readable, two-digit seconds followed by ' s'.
12 h 32 min
